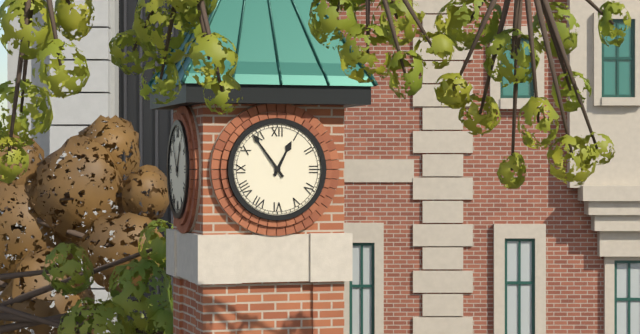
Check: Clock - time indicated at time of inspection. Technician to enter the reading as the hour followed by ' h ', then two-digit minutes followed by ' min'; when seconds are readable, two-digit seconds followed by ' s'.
12 h 54 min
